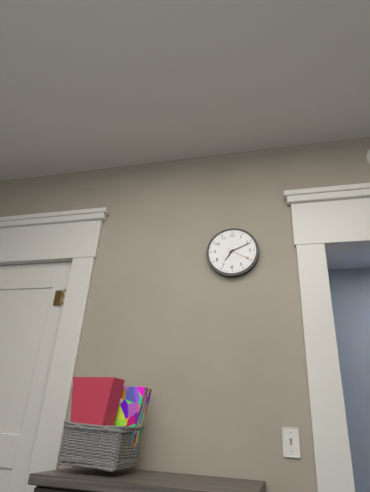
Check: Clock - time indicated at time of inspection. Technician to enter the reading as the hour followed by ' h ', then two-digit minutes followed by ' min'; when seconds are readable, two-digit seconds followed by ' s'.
7 h 11 min
